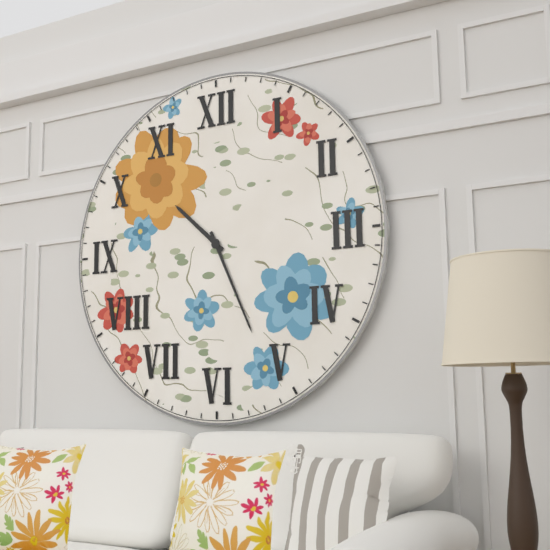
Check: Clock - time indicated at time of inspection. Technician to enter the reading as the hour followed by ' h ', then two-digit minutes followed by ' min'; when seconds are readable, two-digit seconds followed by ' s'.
10 h 26 min
